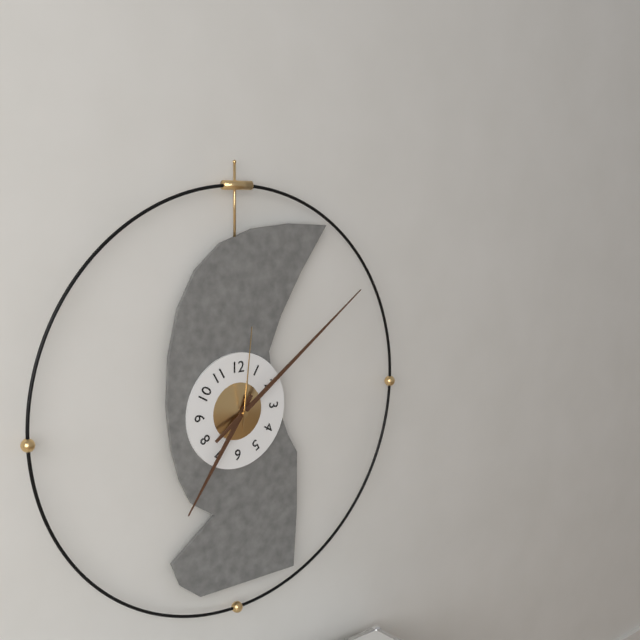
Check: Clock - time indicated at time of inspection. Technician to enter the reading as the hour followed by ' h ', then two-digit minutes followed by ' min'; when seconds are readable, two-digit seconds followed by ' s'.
7 h 09 min 01 s
